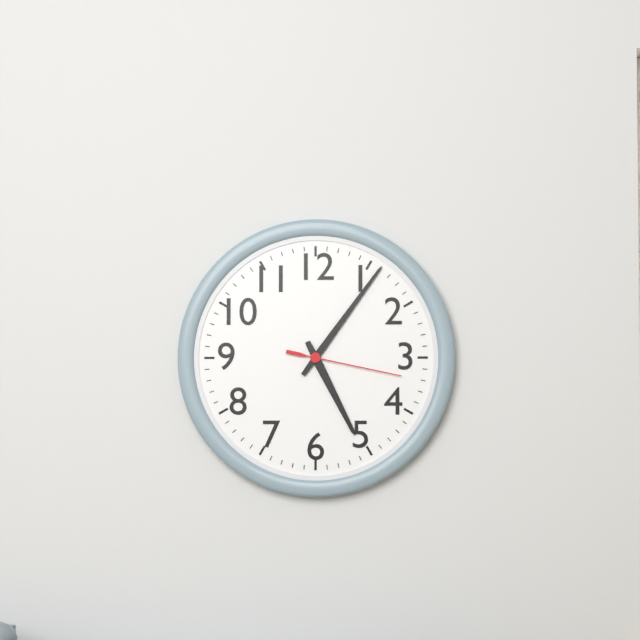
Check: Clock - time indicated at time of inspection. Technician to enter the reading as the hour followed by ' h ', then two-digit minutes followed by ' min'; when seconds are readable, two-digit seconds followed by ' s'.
5 h 06 min 17 s
